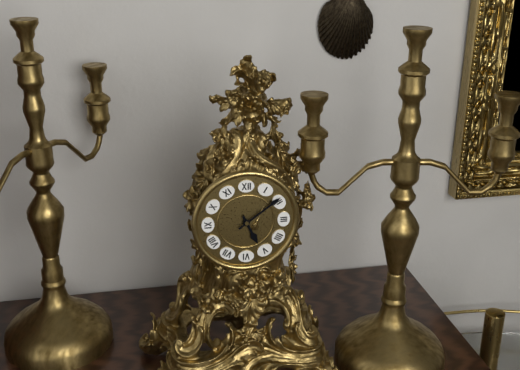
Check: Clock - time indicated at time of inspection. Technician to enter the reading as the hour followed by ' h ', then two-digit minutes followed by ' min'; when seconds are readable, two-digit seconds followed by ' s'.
5 h 09 min
